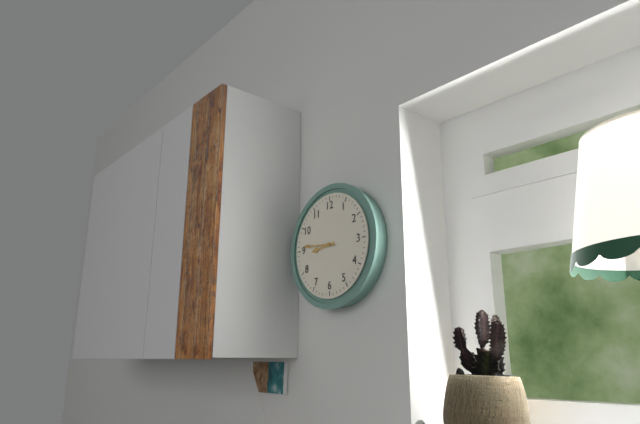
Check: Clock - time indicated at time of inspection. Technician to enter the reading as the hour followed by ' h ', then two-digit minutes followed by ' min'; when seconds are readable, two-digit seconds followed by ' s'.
8 h 46 min
